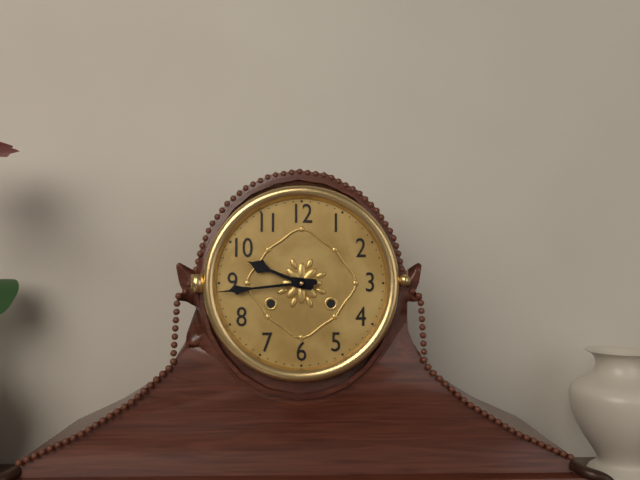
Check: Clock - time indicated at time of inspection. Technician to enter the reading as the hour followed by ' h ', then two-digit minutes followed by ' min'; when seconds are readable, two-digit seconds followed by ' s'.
9 h 44 min
